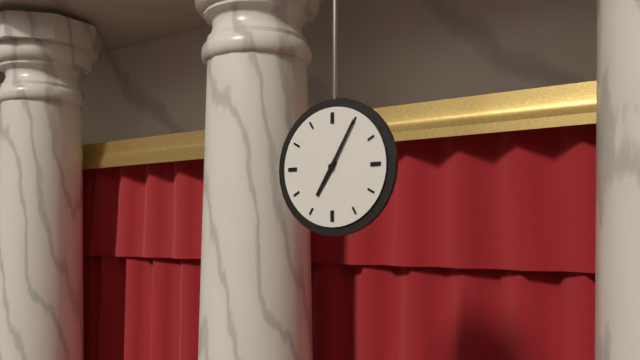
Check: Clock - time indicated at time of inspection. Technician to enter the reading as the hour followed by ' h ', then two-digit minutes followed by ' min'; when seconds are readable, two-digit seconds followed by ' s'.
7 h 05 min
